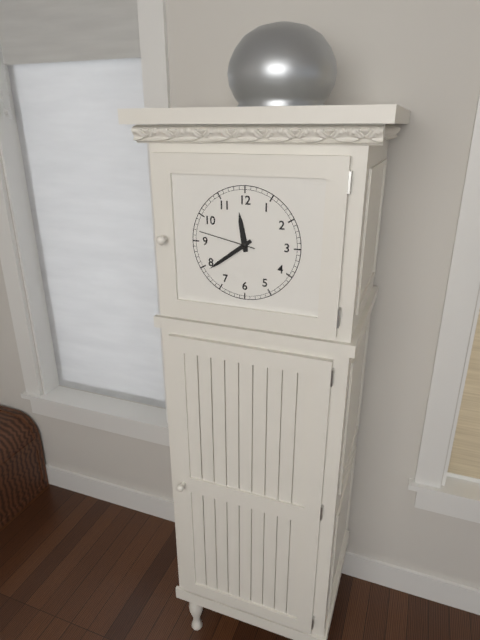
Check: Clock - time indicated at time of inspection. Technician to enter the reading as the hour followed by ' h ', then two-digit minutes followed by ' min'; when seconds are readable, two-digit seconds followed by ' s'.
11 h 39 min 47 s
